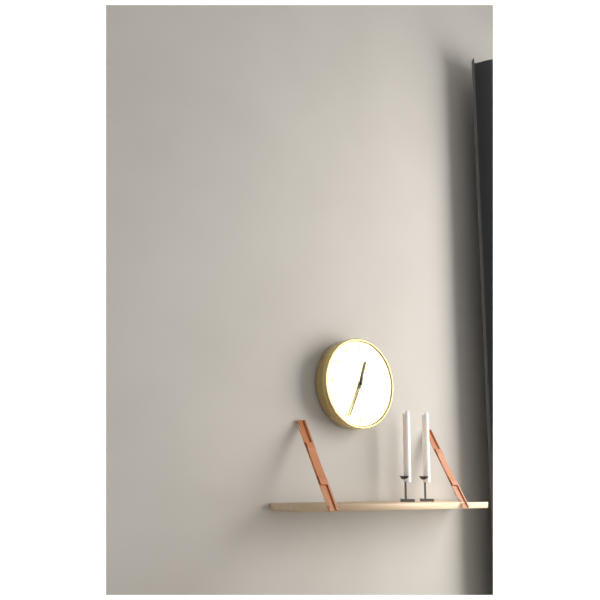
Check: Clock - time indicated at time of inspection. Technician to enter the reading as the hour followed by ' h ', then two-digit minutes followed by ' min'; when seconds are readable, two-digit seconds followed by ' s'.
12 h 34 min
